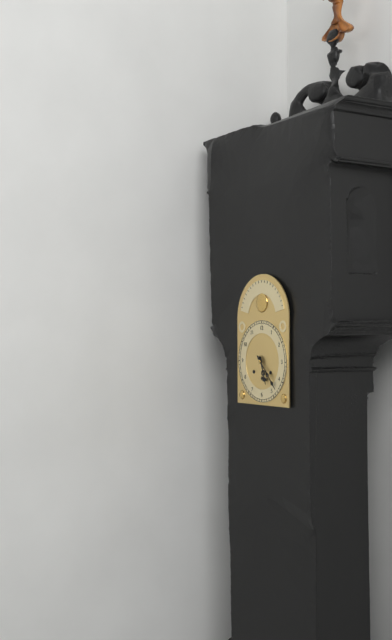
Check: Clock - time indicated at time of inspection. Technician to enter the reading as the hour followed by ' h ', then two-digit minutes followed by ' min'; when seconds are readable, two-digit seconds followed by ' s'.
5 h 23 min
